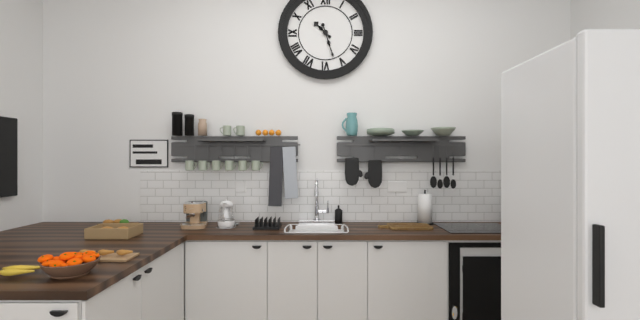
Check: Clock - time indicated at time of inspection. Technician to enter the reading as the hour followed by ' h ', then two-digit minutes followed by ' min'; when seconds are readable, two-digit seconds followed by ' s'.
10 h 27 min
